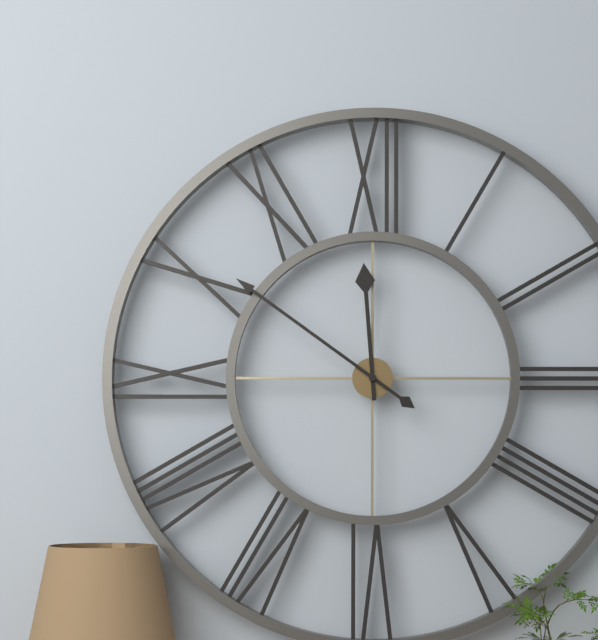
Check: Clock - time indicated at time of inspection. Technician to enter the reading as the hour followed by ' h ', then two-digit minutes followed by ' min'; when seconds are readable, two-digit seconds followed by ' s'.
11 h 51 min
